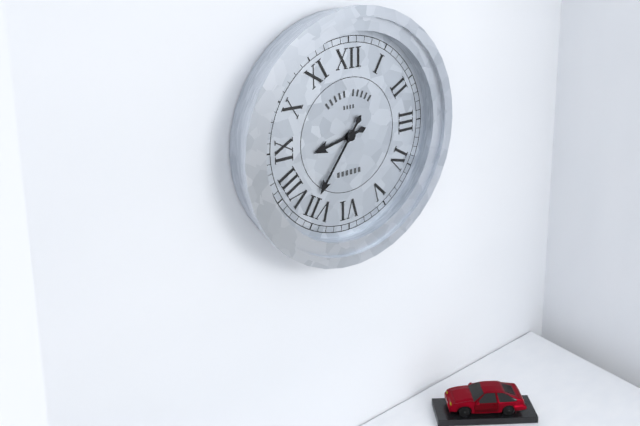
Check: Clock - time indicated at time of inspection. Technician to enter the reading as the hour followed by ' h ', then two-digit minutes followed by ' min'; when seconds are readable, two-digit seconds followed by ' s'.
8 h 36 min
